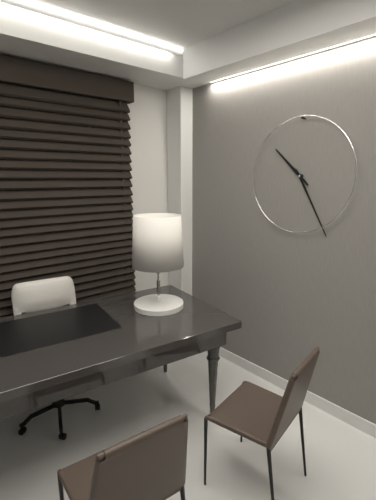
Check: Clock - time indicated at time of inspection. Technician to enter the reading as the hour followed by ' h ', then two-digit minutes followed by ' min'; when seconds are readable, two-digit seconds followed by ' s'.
10 h 25 min
